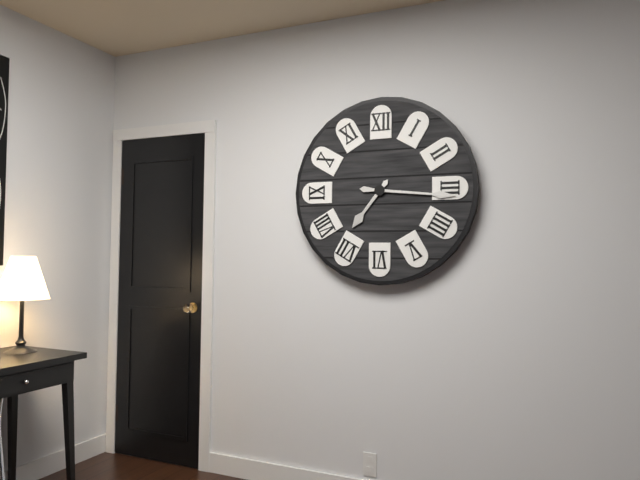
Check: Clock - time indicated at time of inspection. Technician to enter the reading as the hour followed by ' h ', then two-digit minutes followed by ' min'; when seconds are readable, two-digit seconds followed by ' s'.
7 h 16 min
